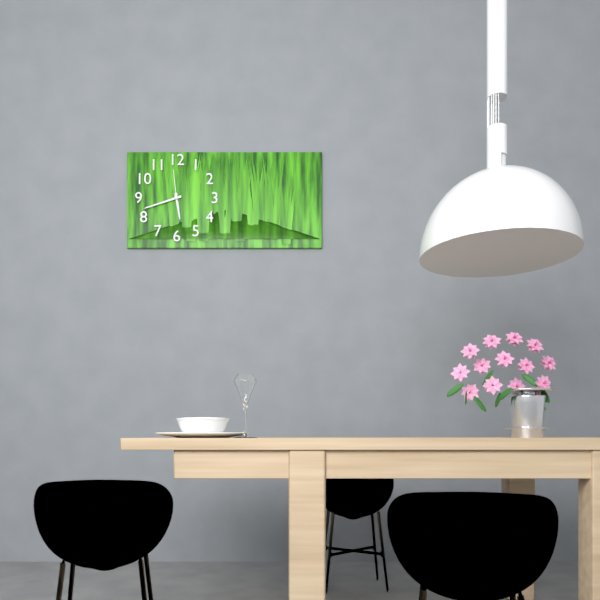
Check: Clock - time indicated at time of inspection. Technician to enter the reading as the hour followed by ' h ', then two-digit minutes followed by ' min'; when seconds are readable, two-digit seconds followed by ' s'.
5 h 42 min
